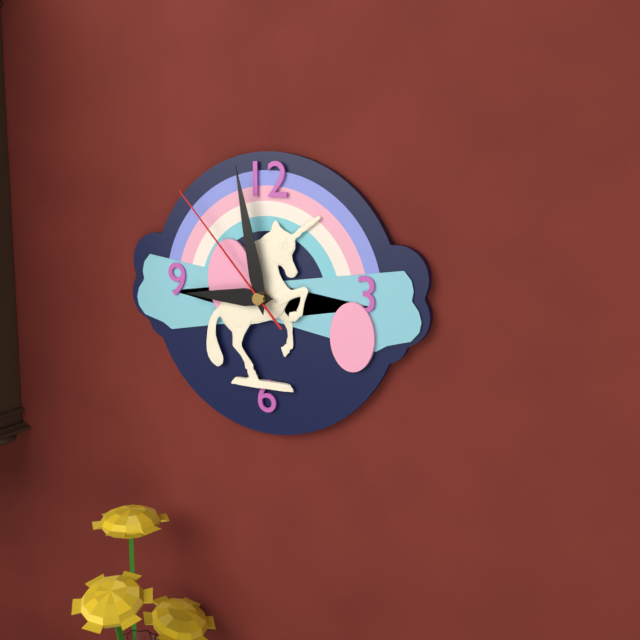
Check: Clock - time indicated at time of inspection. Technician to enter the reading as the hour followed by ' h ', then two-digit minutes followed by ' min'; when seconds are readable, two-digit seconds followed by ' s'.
8 h 58 min 53 s
